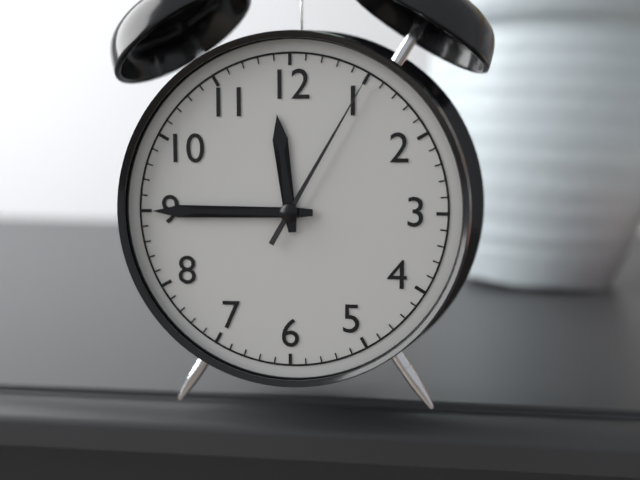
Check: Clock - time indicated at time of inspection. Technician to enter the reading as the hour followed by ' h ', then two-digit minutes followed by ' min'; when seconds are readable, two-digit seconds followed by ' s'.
11 h 45 min 05 s
